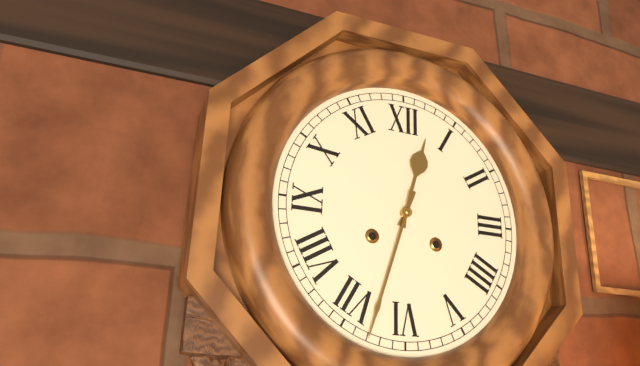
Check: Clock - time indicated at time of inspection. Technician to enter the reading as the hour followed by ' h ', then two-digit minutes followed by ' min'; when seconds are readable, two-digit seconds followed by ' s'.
12 h 33 min
